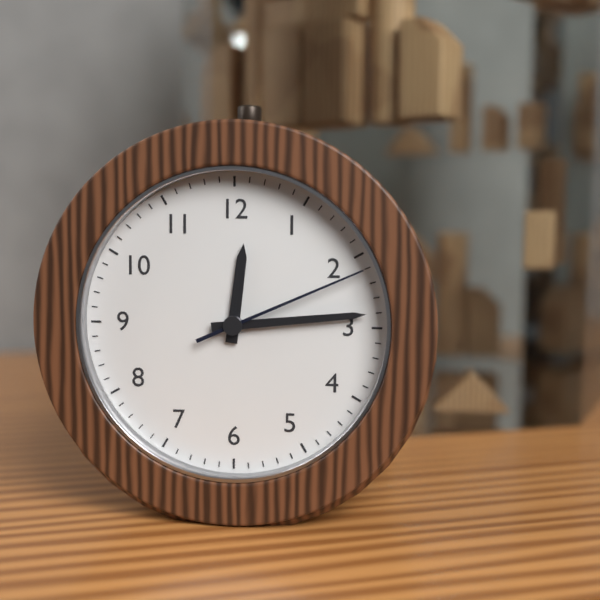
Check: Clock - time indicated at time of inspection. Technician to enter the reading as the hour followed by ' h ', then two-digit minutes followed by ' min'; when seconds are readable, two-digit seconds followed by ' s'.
12 h 14 min 11 s
